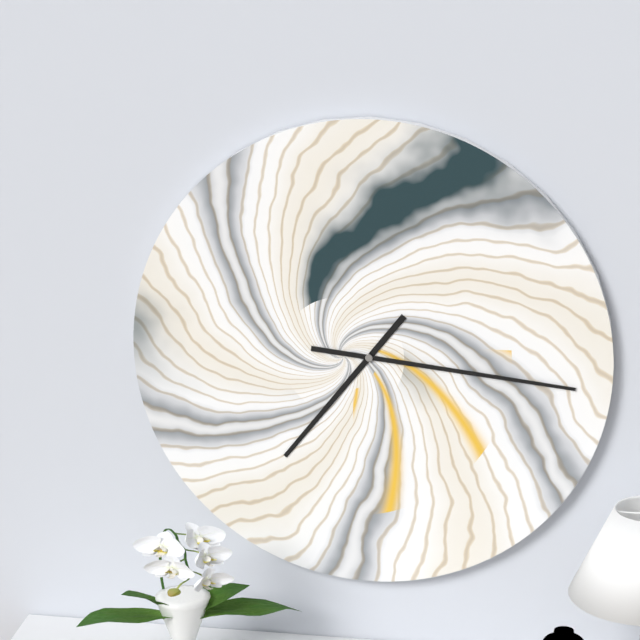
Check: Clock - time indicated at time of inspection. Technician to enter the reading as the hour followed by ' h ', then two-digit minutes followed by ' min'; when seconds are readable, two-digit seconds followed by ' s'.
7 h 16 min
